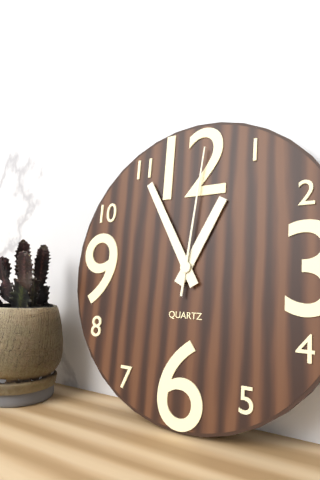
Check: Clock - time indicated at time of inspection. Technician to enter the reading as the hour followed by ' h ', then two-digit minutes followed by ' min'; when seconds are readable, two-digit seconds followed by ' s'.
12 h 55 min 01 s
